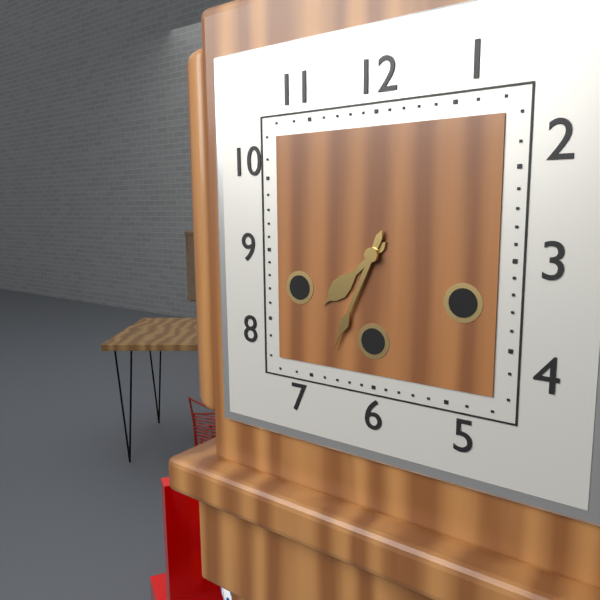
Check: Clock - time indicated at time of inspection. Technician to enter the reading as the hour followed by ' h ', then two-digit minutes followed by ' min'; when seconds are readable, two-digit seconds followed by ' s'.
7 h 34 min
